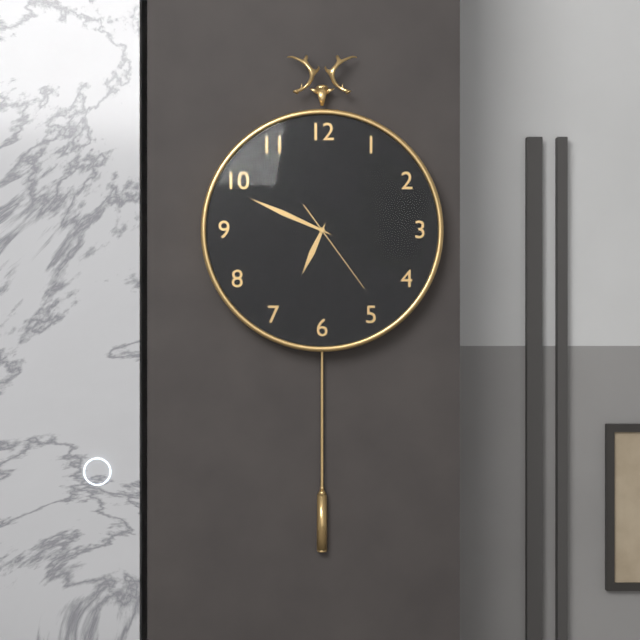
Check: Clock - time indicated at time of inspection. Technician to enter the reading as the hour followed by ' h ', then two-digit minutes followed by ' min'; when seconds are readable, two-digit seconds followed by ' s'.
6 h 49 min 24 s
